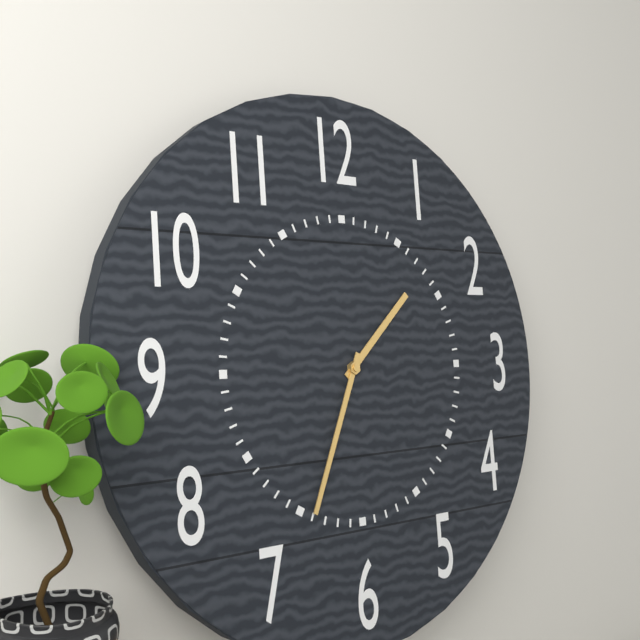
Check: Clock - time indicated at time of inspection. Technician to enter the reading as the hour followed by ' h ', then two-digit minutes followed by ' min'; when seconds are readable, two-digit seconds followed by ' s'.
1 h 34 min
